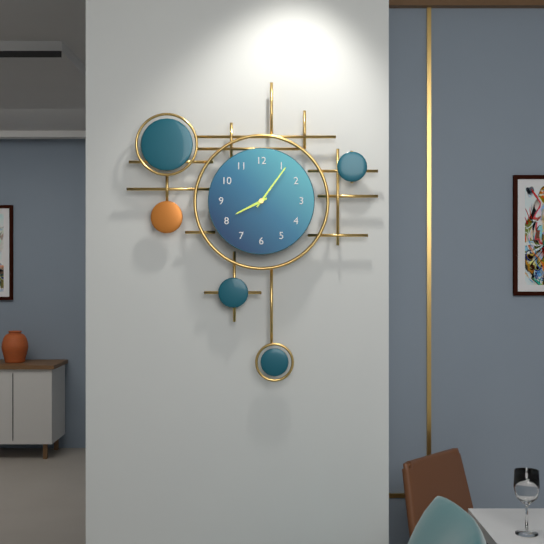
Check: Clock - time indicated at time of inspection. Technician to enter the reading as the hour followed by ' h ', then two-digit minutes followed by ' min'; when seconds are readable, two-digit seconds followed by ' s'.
8 h 06 min
